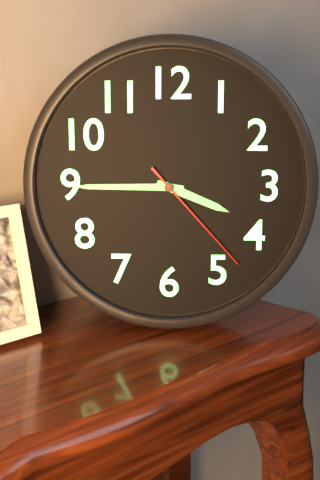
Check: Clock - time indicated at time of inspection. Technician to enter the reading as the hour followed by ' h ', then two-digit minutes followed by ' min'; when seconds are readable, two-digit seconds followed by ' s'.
3 h 45 min 23 s
